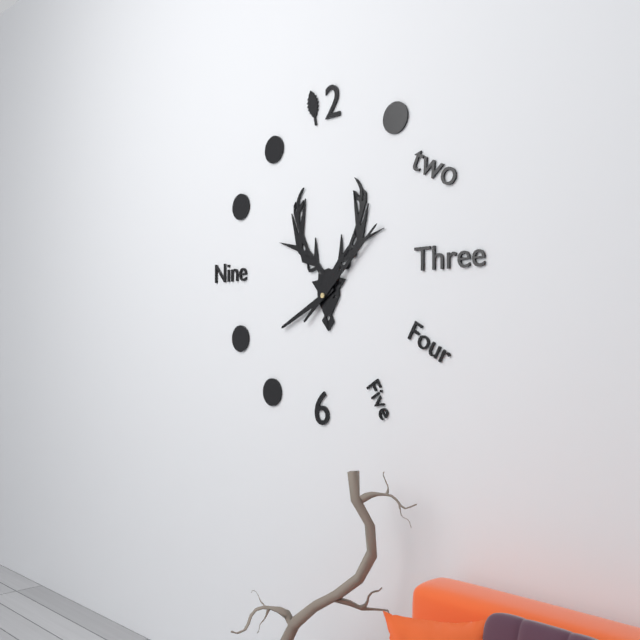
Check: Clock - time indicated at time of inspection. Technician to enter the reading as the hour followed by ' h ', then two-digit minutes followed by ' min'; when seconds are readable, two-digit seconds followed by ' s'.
8 h 08 min
